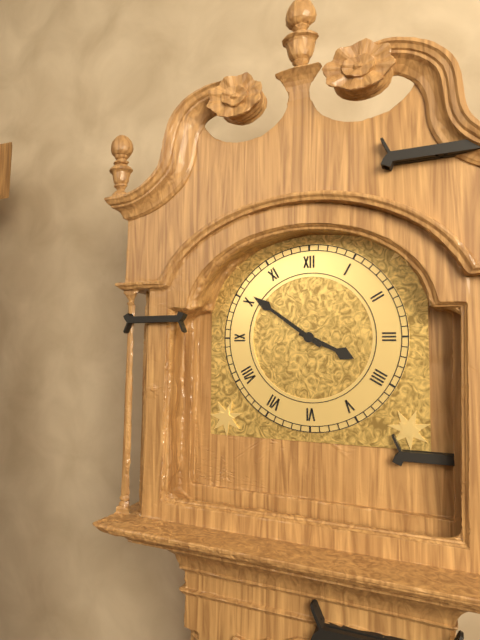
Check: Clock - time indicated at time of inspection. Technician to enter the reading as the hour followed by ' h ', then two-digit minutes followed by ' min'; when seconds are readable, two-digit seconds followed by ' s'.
3 h 51 min
